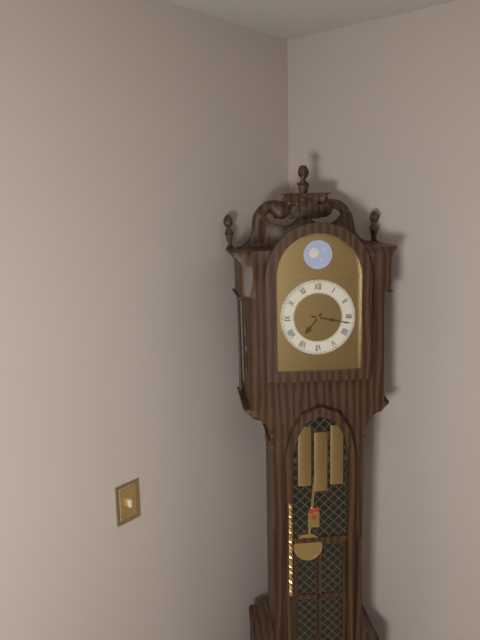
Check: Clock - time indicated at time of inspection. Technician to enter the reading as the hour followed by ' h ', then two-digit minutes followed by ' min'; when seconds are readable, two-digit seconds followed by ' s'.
7 h 17 min
